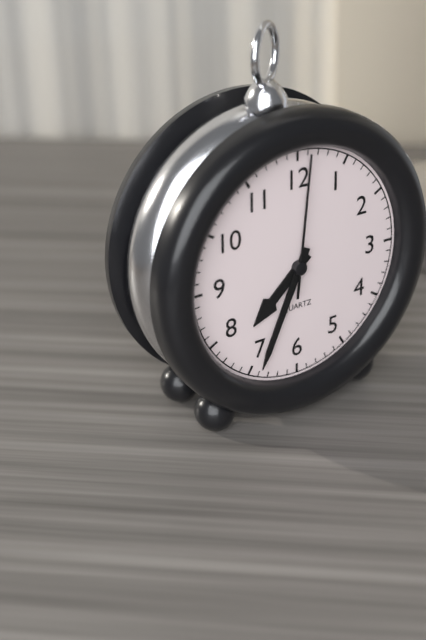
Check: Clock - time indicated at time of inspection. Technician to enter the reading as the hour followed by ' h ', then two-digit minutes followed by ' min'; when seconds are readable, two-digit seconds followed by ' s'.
7 h 34 min 01 s
